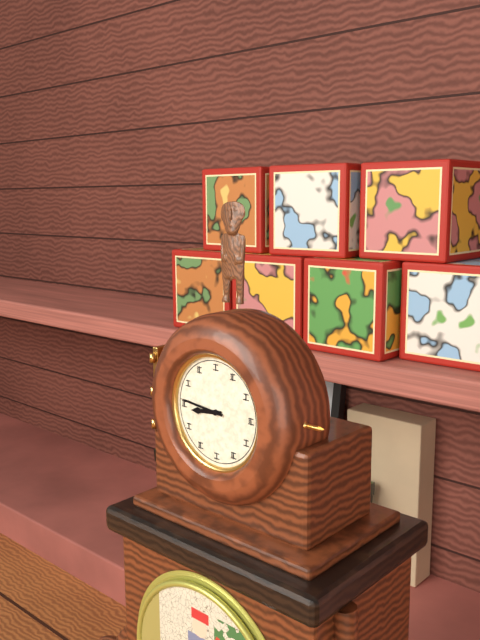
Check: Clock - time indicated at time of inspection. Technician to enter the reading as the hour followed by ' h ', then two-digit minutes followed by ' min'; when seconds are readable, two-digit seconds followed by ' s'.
8 h 46 min
